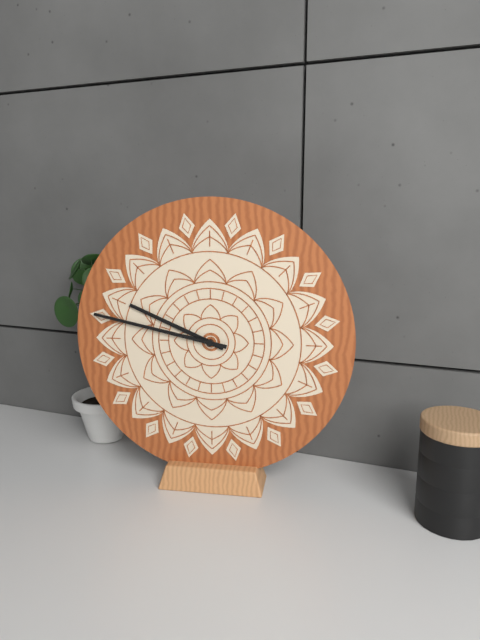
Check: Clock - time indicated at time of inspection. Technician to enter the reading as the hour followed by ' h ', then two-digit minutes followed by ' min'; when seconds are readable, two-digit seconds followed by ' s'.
9 h 47 min
